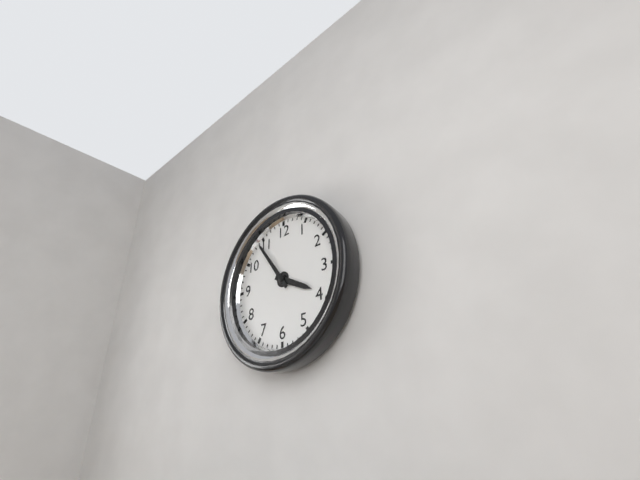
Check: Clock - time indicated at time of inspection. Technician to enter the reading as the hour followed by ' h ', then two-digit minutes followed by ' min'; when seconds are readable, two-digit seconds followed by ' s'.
3 h 54 min
